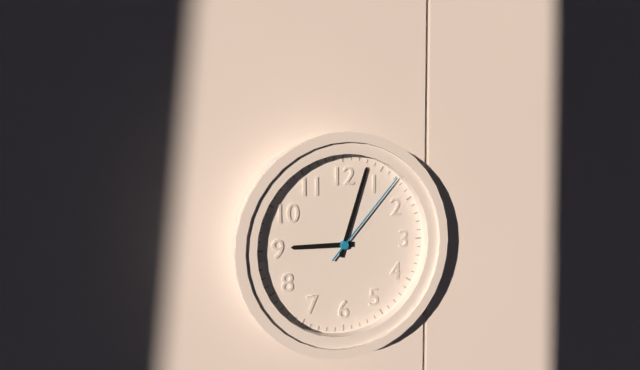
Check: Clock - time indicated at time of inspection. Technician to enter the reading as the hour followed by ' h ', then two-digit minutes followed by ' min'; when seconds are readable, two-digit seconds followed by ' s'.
9 h 03 min 07 s
